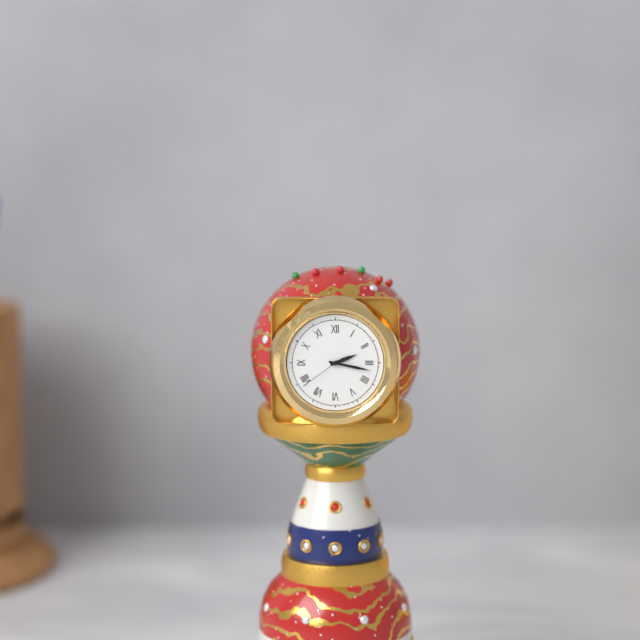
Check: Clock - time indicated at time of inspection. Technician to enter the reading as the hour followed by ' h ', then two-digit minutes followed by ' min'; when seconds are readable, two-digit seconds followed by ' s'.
2 h 17 min
